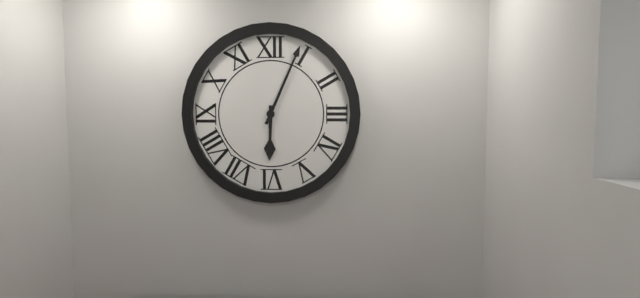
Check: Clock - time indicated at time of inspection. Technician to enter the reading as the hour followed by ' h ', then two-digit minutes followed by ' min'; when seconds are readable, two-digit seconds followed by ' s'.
6 h 04 min
